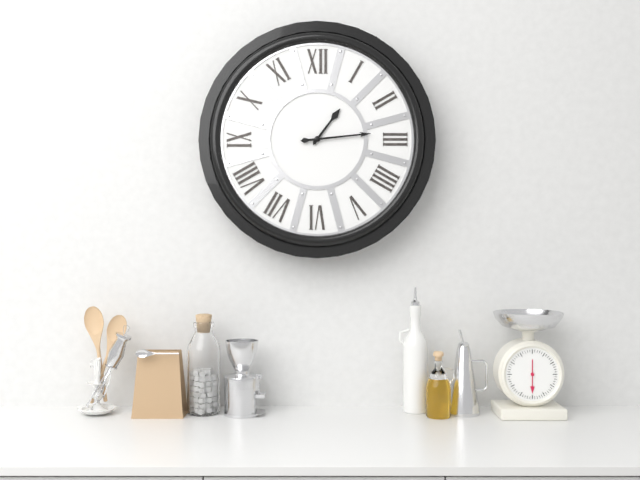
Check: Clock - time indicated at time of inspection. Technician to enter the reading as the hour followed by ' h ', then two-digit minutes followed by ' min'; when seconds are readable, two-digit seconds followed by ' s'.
1 h 14 min
